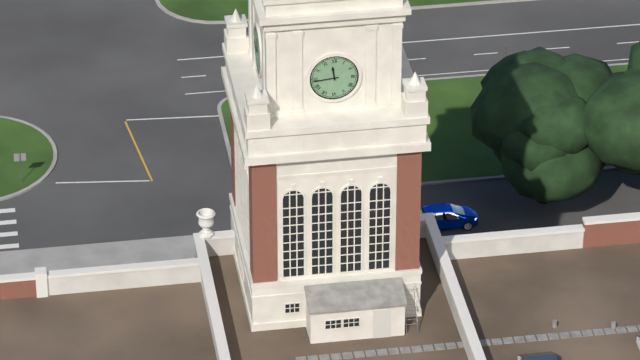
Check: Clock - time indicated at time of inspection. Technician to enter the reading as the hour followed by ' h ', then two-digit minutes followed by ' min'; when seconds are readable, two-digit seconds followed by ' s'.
11 h 44 min
